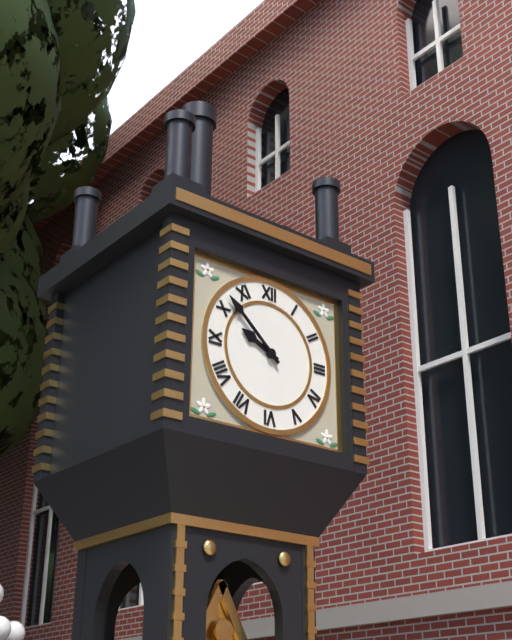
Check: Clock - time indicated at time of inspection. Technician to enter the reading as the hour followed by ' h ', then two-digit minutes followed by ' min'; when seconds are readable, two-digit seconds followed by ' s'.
9 h 52 min
